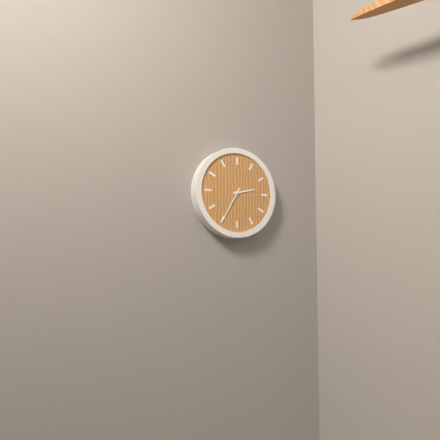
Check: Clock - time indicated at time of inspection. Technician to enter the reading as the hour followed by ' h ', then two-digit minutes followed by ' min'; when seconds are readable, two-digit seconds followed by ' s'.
2 h 35 min
